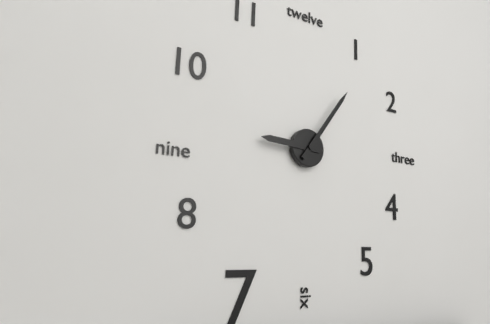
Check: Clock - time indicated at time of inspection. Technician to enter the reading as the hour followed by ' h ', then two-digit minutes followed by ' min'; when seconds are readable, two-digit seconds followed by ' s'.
9 h 06 min
